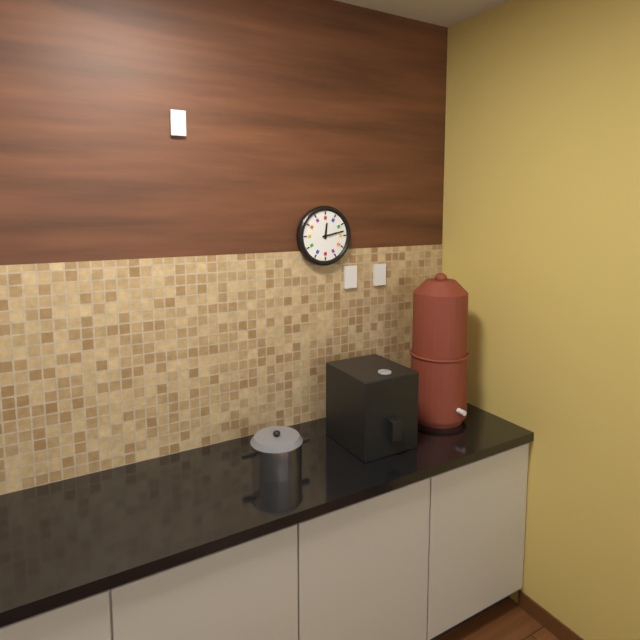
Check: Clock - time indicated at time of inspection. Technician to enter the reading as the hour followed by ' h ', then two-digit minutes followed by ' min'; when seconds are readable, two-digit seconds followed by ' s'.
12 h 13 min
